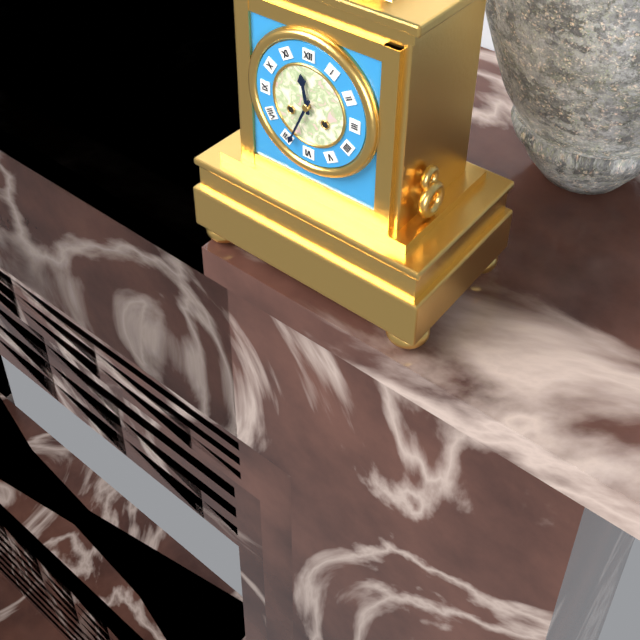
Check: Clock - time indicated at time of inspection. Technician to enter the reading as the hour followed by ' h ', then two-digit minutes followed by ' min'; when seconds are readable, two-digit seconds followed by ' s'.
11 h 34 min
